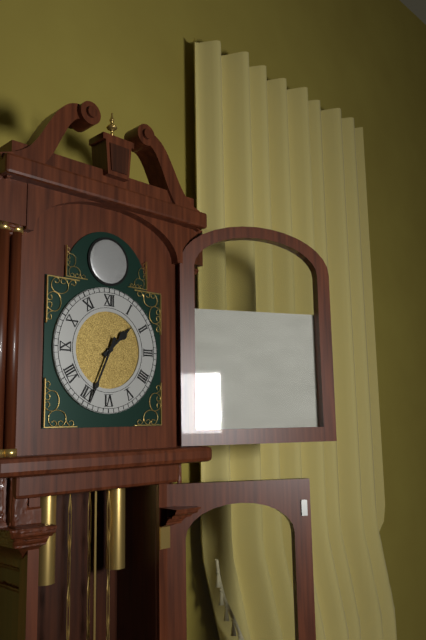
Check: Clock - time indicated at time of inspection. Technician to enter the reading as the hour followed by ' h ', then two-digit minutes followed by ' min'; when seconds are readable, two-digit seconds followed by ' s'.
1 h 34 min
